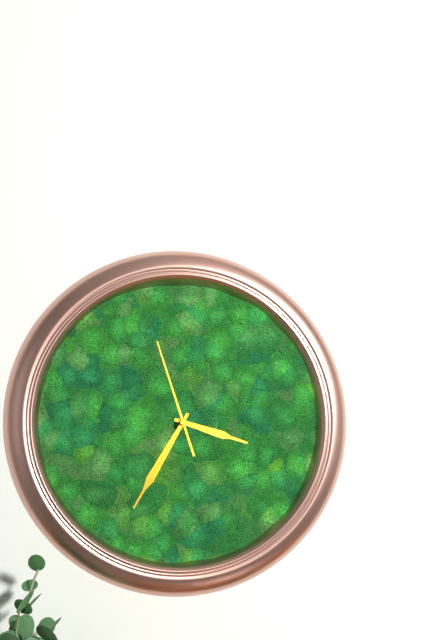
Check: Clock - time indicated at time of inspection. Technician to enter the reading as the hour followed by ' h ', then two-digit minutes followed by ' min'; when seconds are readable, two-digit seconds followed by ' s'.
3 h 35 min 57 s
